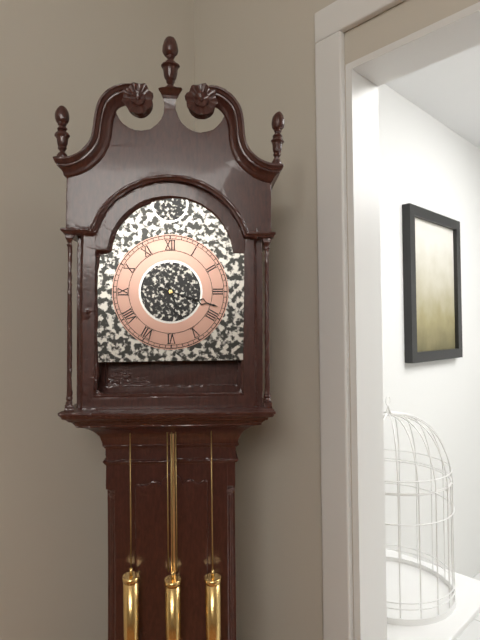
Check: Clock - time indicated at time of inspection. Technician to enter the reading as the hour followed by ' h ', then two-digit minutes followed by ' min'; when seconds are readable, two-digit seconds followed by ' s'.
5 h 18 min
